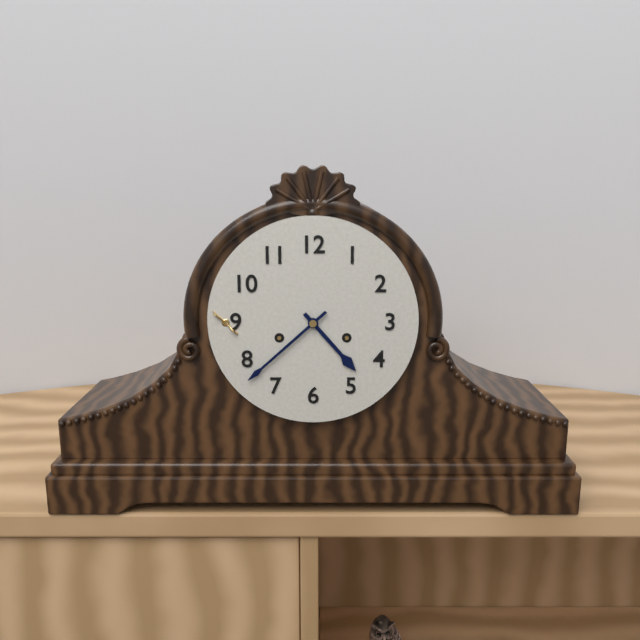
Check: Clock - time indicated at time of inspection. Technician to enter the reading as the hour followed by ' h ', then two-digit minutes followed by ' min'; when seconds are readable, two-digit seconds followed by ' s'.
4 h 38 min
